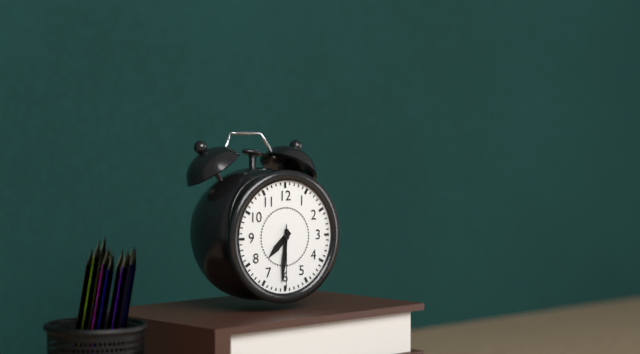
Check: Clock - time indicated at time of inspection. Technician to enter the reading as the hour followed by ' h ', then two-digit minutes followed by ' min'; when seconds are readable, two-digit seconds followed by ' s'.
7 h 31 min 30 s
